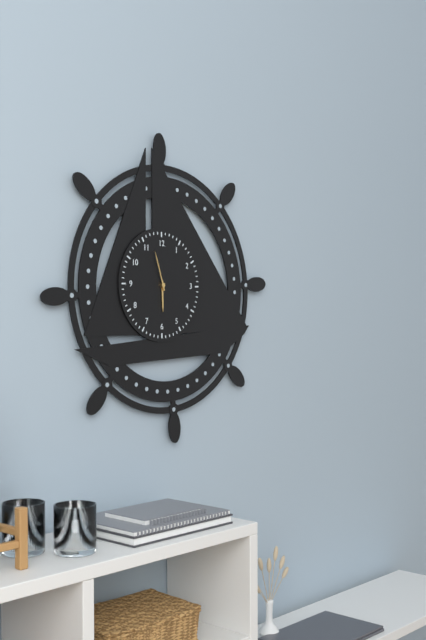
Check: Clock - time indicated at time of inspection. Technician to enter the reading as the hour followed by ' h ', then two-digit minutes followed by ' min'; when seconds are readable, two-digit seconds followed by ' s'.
5 h 57 min
